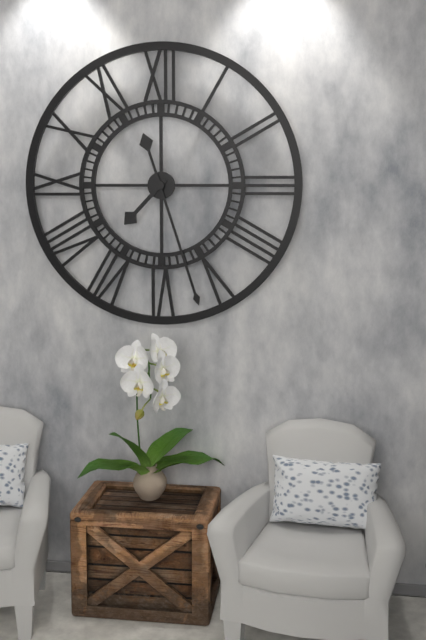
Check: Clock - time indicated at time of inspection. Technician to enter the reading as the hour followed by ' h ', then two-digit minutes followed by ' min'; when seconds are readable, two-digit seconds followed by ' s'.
7 h 27 min
